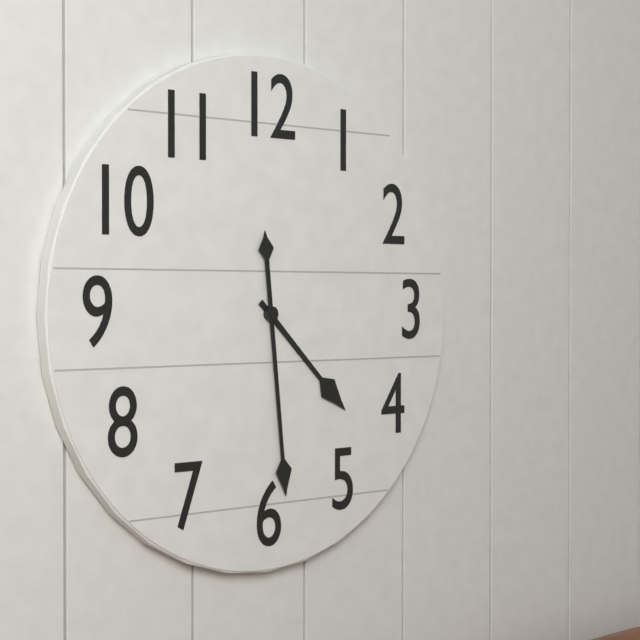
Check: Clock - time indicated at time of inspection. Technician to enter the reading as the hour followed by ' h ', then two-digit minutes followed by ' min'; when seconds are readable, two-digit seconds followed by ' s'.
4 h 29 min
